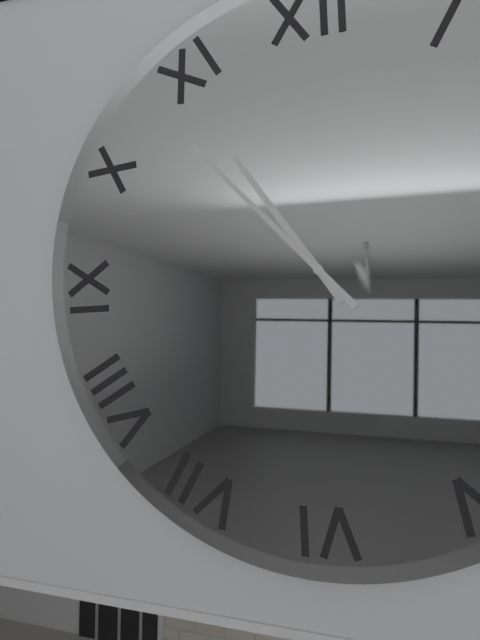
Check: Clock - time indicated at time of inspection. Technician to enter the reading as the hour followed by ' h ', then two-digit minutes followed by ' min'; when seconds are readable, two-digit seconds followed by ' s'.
10 h 53 min
